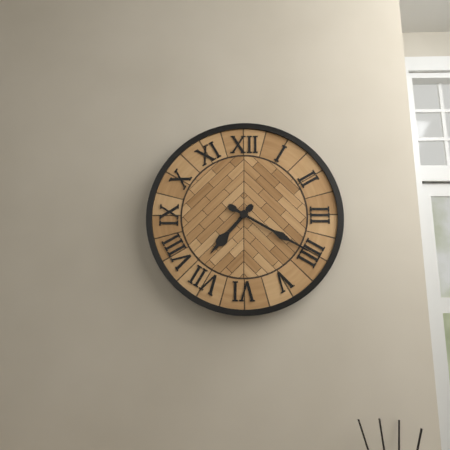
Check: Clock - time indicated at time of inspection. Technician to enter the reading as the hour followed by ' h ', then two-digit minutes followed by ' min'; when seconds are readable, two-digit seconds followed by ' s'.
7 h 20 min
